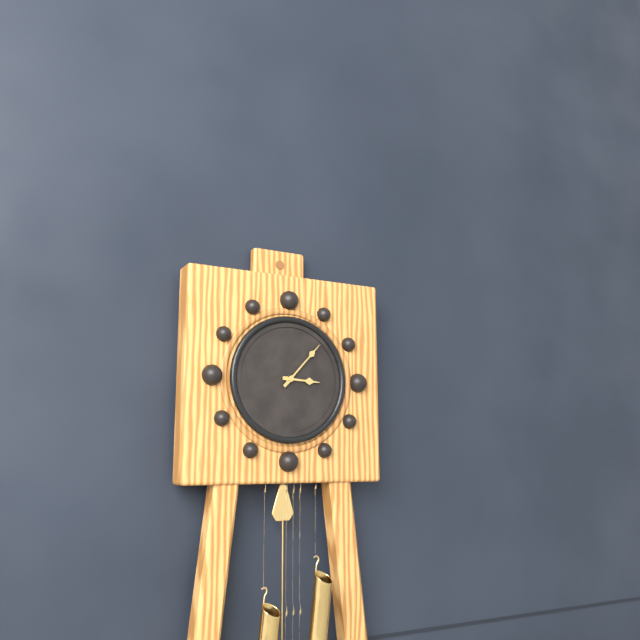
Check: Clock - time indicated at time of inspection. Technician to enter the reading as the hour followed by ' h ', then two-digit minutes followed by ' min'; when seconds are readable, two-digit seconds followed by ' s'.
3 h 07 min
